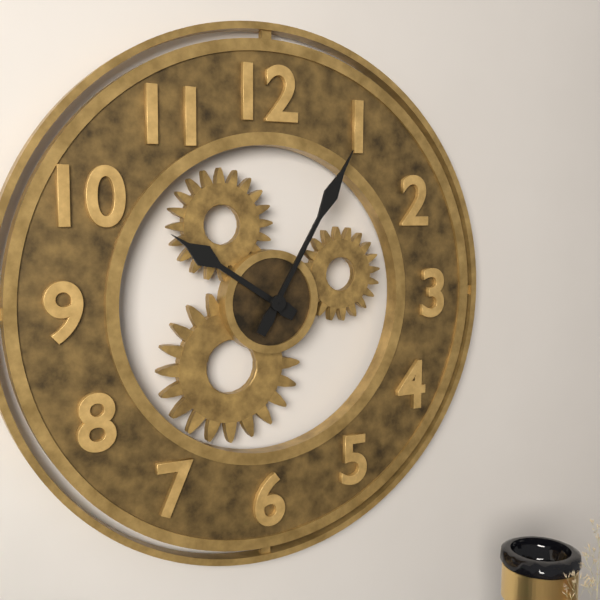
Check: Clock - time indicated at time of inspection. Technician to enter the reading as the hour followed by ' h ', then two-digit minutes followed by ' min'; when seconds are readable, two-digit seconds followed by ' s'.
10 h 05 min
